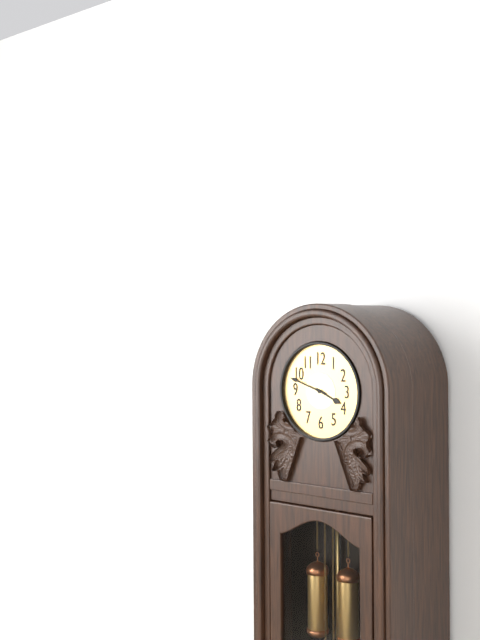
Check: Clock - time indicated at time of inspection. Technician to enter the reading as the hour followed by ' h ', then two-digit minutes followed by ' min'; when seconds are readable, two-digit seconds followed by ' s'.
3 h 48 min
